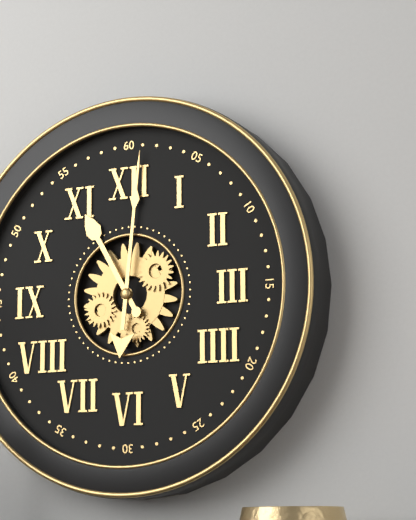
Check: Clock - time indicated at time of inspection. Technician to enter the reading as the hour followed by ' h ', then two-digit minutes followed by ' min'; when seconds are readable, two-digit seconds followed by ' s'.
11 h 01 min
